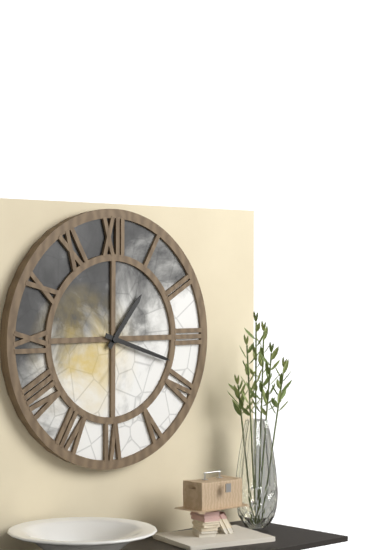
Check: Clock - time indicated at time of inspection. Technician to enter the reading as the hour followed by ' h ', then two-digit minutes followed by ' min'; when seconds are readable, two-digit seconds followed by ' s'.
1 h 18 min
